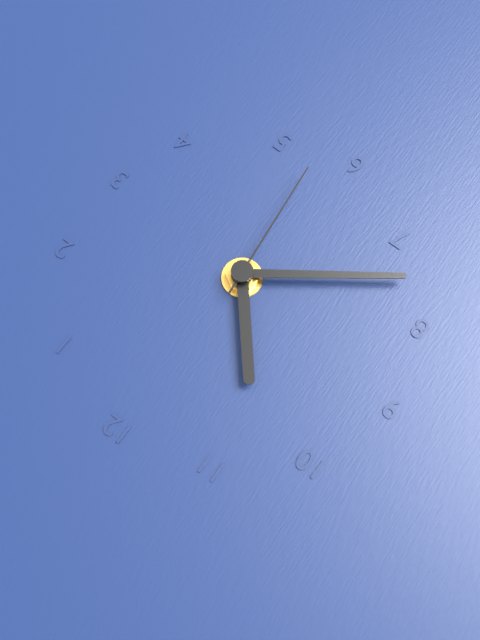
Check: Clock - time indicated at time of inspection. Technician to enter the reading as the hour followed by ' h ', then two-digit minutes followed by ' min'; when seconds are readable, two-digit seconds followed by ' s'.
10 h 39 min 29 s
